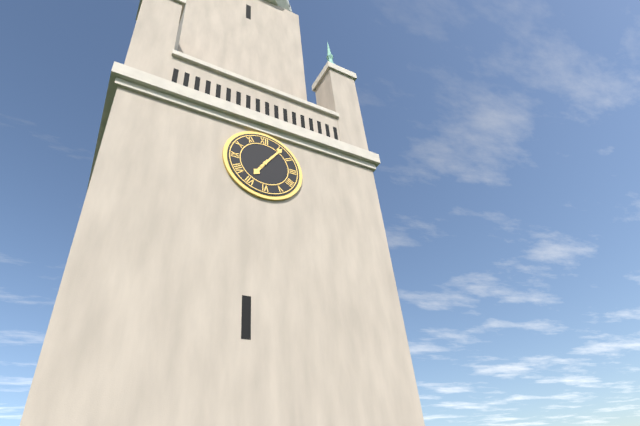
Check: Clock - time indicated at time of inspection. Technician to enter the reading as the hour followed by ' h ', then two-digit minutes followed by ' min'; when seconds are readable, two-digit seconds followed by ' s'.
7 h 06 min
